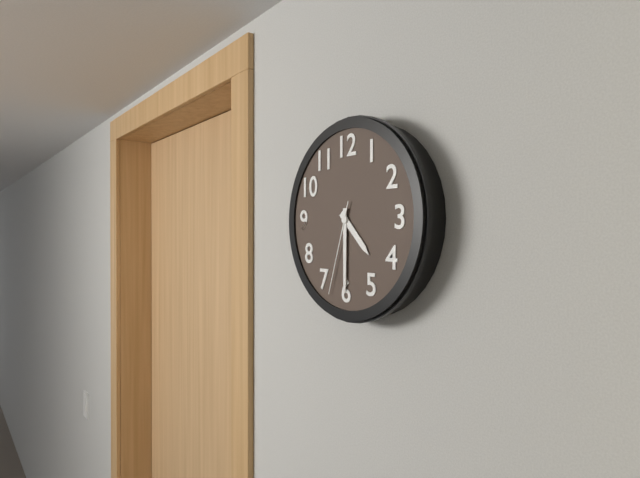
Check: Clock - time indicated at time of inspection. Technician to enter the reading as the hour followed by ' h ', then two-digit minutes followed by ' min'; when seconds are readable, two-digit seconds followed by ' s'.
4 h 30 min 33 s
